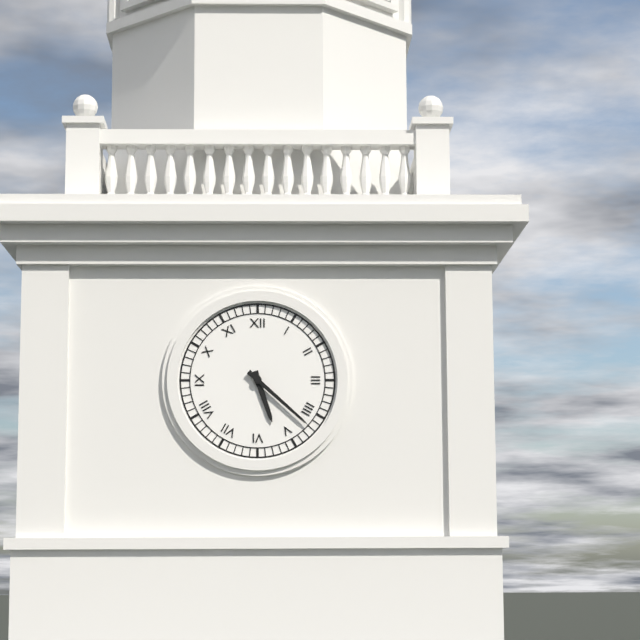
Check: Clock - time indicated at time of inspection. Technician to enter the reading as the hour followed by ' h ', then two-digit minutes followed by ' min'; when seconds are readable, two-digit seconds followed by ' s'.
5 h 22 min
